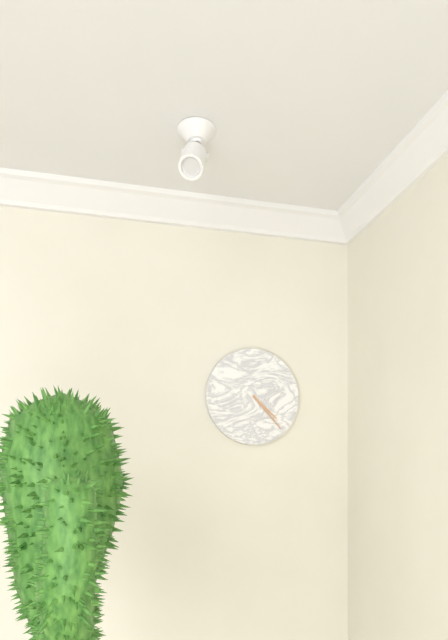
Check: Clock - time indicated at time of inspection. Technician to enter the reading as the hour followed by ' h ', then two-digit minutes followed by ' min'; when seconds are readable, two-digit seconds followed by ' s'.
4 h 23 min
